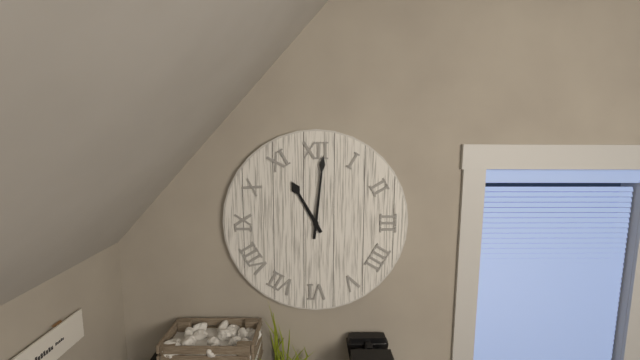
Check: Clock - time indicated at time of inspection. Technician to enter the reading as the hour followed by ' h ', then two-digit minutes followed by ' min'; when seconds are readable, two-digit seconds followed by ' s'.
11 h 01 min
